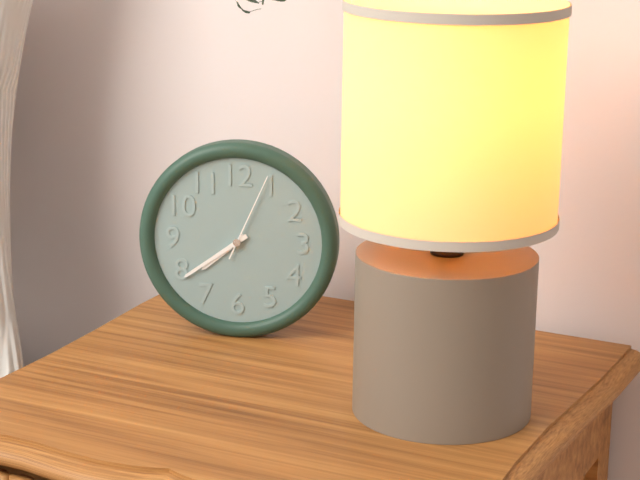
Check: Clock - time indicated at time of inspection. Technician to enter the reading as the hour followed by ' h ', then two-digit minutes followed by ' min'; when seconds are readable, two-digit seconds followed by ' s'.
7 h 39 min 04 s
